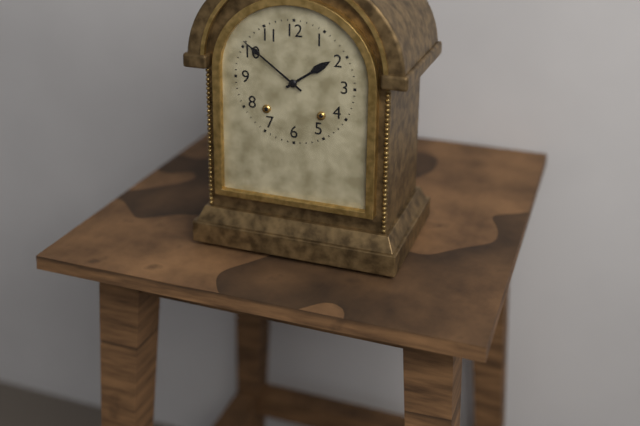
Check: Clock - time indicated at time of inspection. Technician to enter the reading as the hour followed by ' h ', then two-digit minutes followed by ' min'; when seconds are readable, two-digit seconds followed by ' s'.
1 h 51 min
